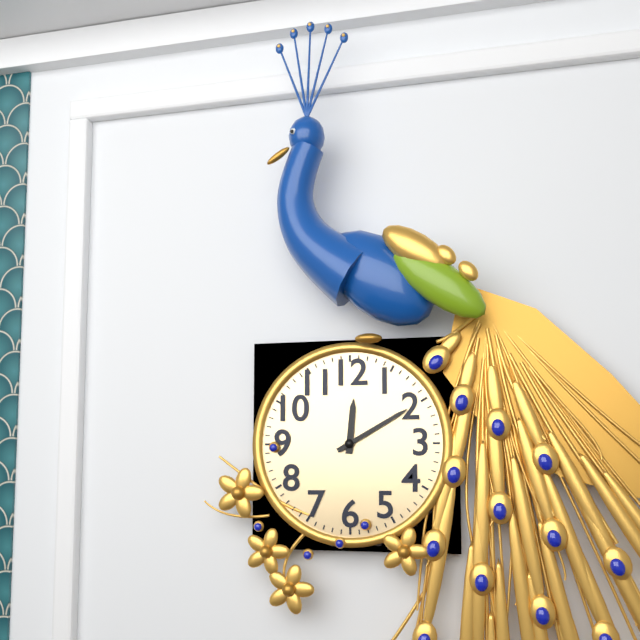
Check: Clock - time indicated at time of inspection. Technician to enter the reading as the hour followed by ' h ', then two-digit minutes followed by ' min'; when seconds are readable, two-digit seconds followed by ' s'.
12 h 10 min
